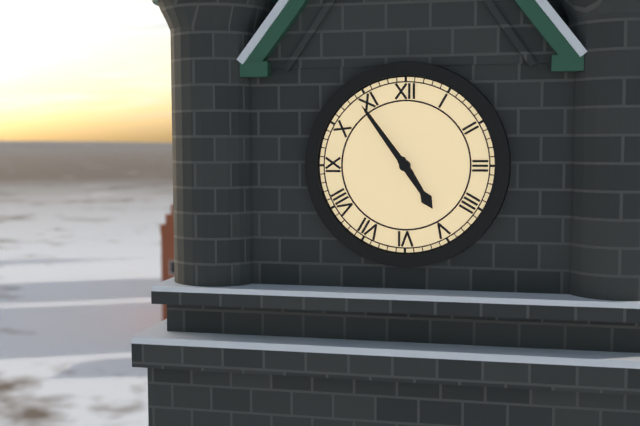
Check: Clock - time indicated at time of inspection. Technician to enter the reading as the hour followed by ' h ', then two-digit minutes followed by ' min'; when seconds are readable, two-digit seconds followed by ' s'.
4 h 54 min
